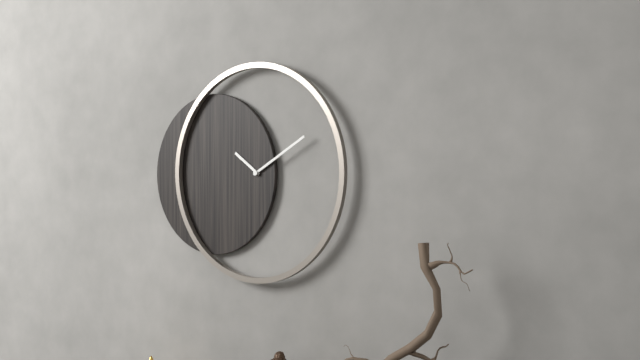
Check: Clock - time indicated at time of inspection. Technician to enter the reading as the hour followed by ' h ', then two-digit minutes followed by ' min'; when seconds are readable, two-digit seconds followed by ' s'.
10 h 10 min
